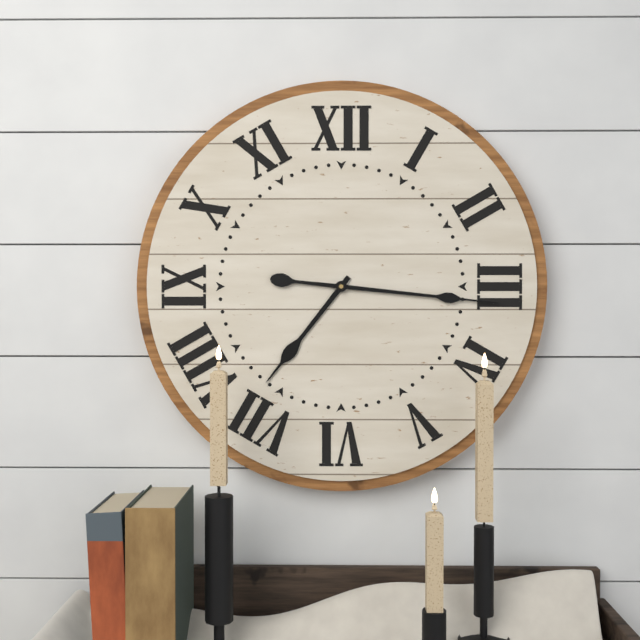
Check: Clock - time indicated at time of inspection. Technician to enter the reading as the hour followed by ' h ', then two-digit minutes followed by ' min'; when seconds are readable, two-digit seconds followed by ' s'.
7 h 16 min
